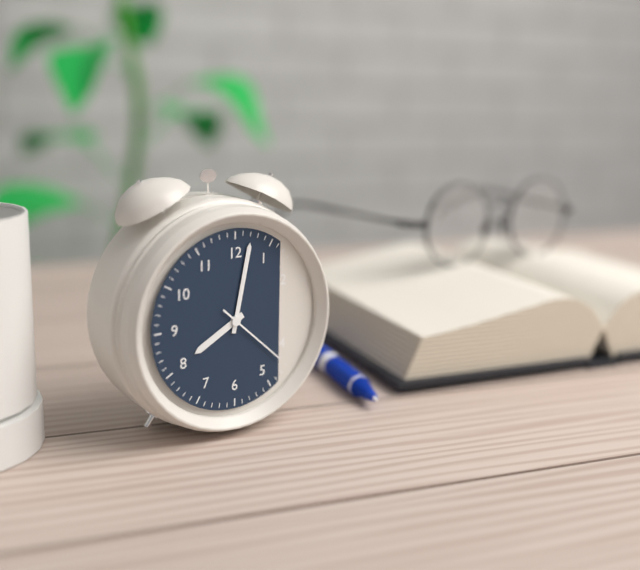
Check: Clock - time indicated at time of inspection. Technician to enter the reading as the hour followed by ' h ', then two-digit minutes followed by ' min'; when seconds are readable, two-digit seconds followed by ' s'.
8 h 02 min 22 s
